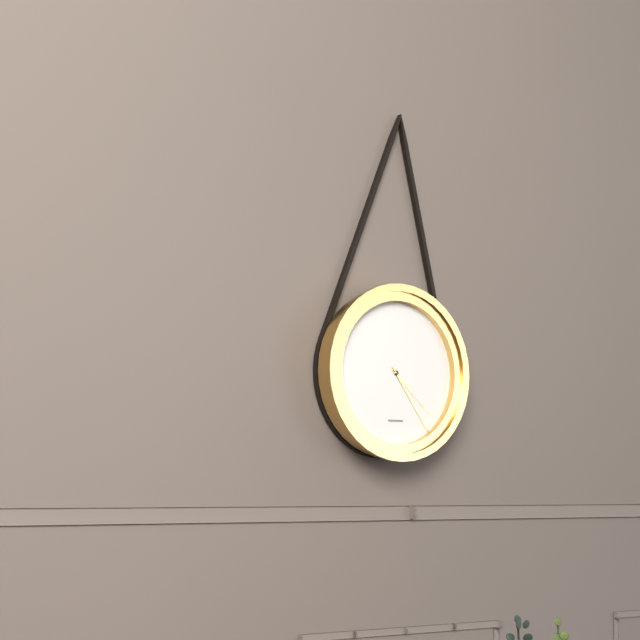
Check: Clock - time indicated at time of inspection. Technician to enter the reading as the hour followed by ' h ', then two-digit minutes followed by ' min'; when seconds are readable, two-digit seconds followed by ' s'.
4 h 24 min
